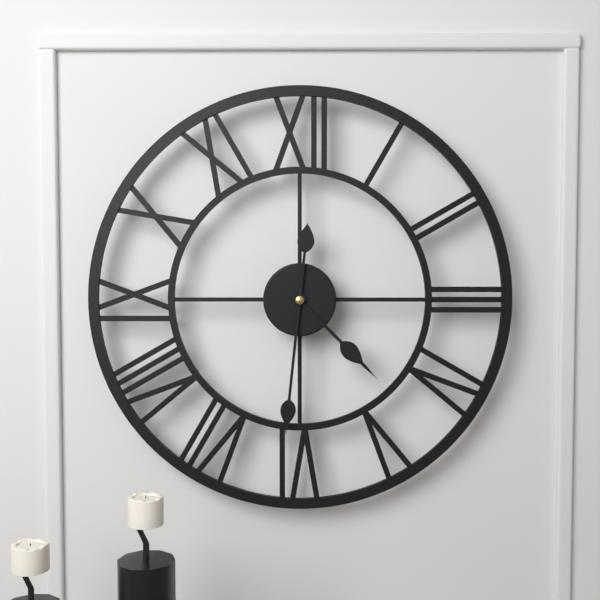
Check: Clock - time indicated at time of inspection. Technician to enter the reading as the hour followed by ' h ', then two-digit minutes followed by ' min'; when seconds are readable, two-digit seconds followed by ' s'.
4 h 31 min
